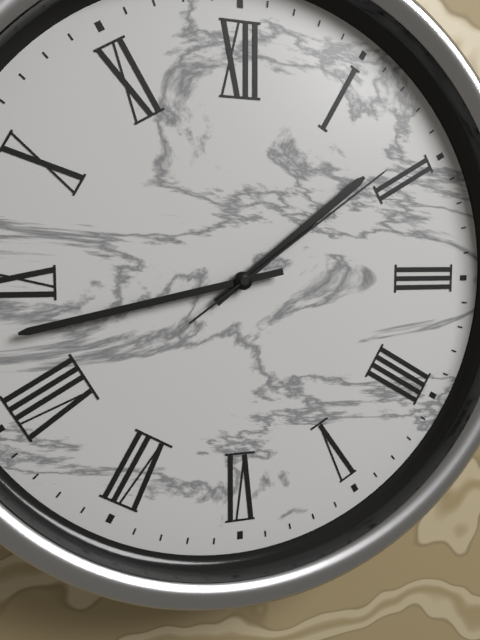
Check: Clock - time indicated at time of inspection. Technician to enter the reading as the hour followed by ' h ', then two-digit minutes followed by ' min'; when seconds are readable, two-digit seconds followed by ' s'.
1 h 43 min 09 s
